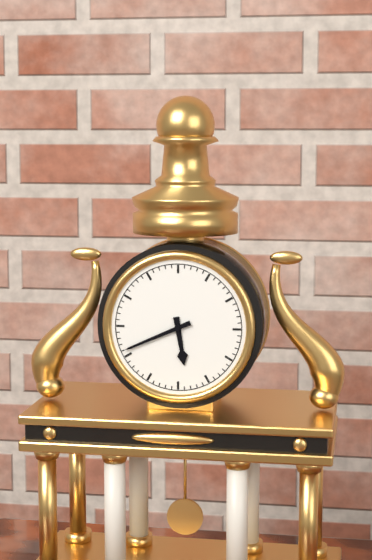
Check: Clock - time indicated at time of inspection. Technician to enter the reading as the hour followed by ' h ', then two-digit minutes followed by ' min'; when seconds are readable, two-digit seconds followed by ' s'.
5 h 41 min
